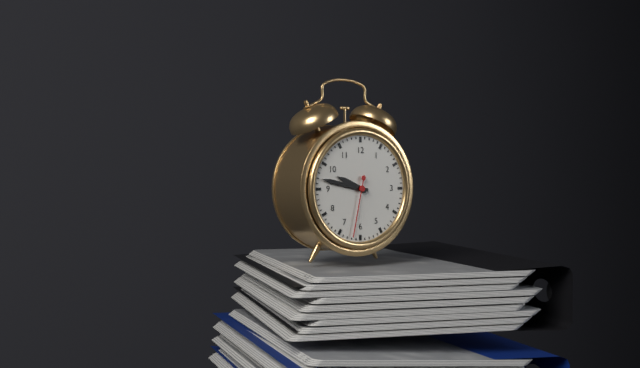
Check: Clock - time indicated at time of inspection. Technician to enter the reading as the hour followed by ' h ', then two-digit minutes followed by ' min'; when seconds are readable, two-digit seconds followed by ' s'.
9 h 47 min 32 s
